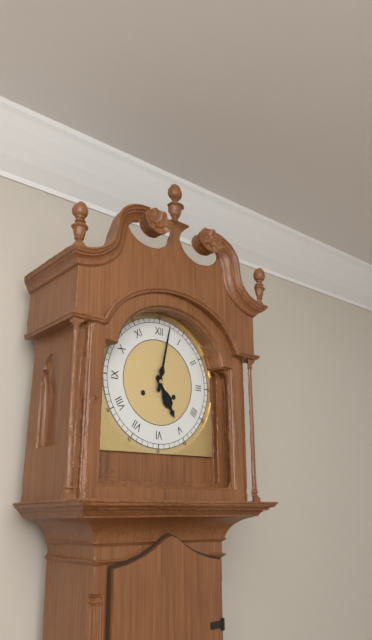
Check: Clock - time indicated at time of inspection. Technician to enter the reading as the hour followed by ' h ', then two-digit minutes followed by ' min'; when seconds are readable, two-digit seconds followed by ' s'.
5 h 02 min
